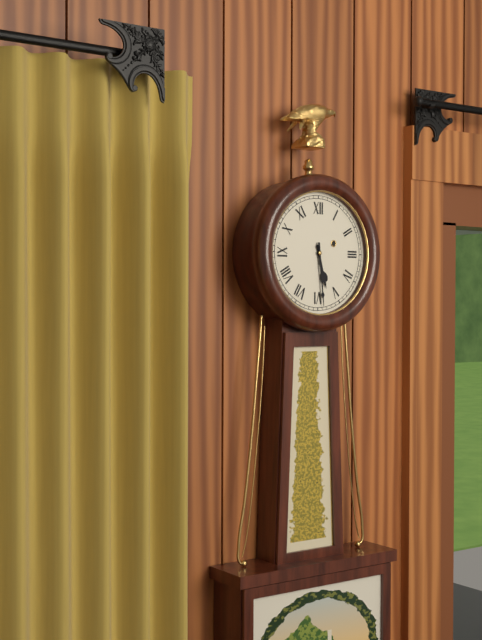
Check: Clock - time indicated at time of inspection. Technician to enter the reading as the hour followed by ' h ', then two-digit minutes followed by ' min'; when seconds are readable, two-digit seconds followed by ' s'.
5 h 29 min
